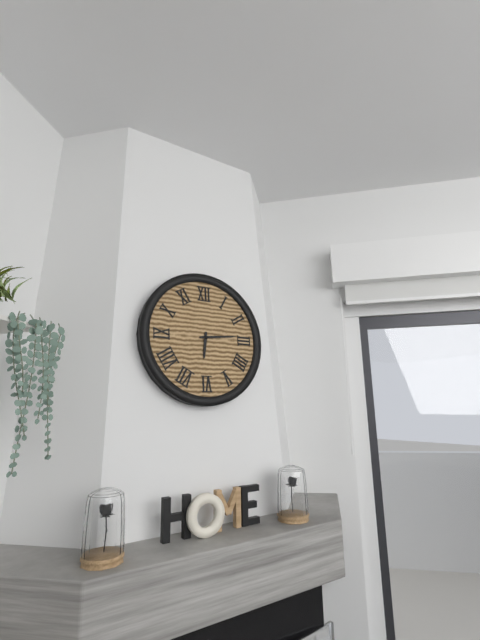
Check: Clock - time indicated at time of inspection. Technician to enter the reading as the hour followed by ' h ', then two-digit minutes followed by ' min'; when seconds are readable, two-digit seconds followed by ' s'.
6 h 14 min
